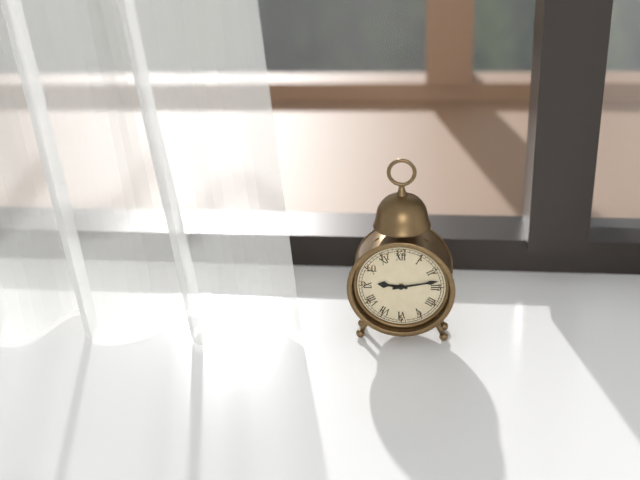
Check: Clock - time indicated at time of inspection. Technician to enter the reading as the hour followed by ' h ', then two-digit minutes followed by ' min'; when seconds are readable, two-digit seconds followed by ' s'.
9 h 13 min
